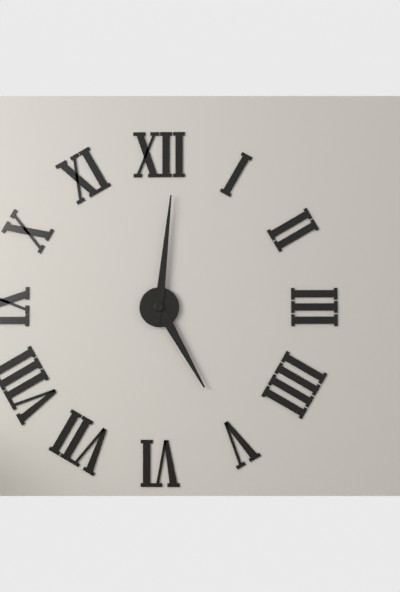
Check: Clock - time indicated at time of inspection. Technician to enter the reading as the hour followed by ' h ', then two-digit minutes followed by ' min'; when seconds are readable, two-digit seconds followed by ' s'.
5 h 01 min
